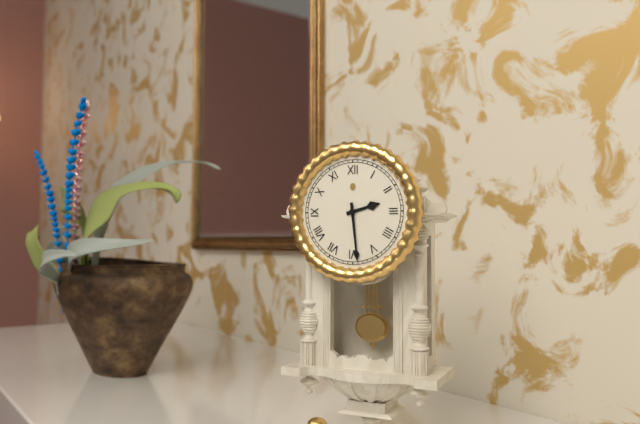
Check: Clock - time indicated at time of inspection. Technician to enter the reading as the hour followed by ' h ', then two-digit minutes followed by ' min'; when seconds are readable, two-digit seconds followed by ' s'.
2 h 29 min
